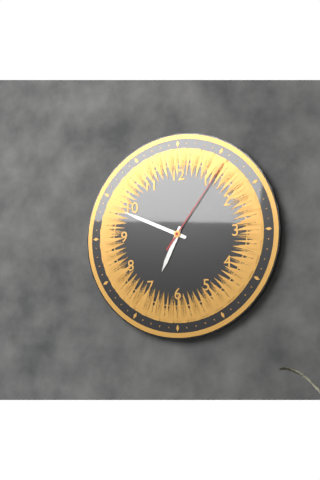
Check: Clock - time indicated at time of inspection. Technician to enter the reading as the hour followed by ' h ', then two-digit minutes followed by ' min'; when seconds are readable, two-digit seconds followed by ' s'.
6 h 49 min 06 s
